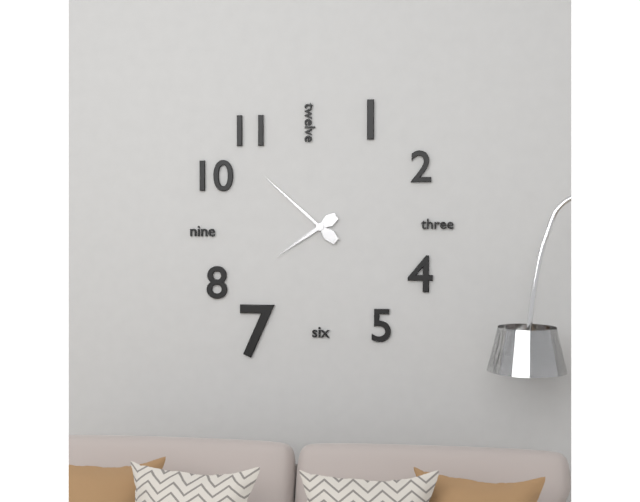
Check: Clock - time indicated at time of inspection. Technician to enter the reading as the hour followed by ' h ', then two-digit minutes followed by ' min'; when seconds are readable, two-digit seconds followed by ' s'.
7 h 52 min
